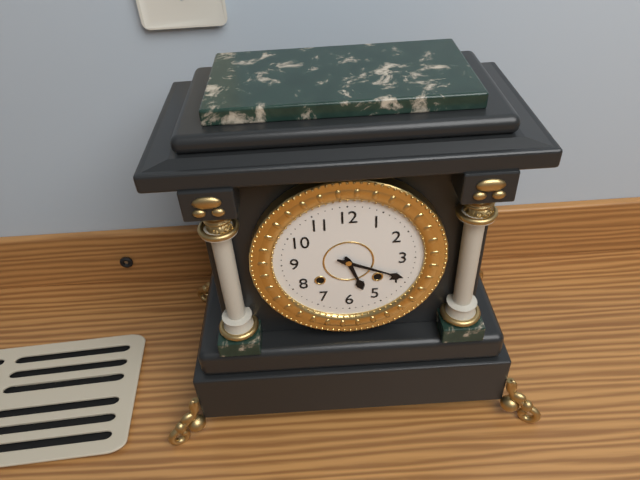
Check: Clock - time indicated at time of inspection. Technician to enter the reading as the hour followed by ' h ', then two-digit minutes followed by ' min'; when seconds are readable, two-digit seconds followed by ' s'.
5 h 19 min
